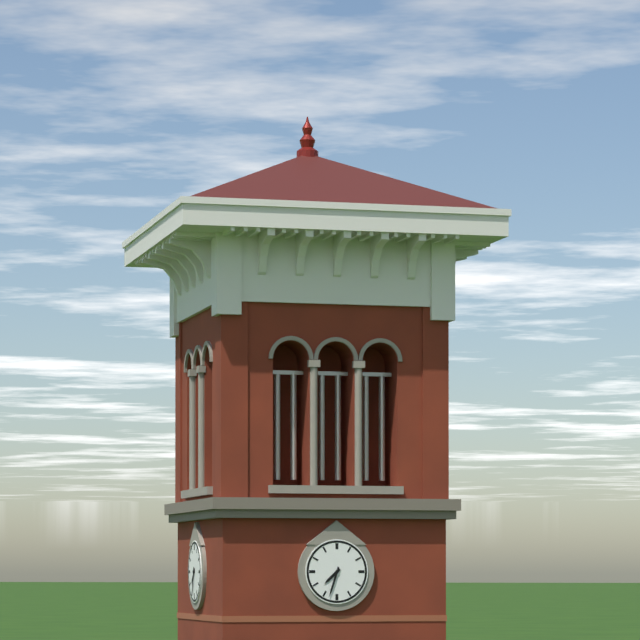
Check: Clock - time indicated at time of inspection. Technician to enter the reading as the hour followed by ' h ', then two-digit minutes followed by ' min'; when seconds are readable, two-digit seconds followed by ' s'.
7 h 33 min
